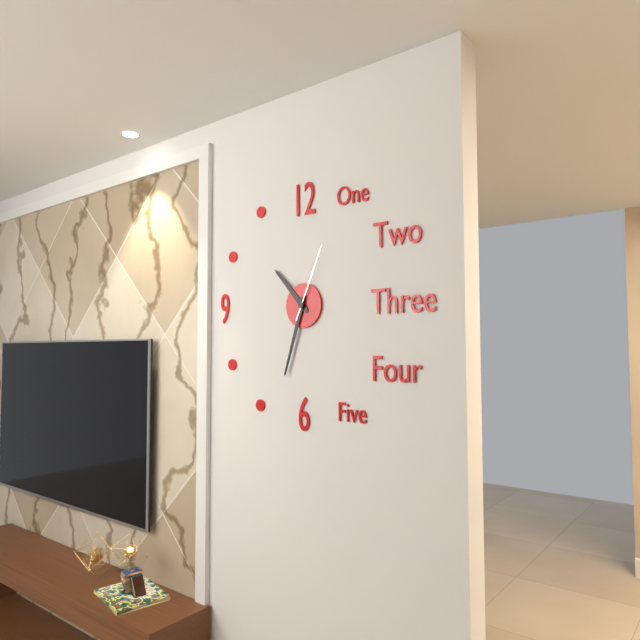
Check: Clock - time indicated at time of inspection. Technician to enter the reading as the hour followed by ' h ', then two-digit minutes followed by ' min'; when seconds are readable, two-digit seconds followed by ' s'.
10 h 33 min 04 s
